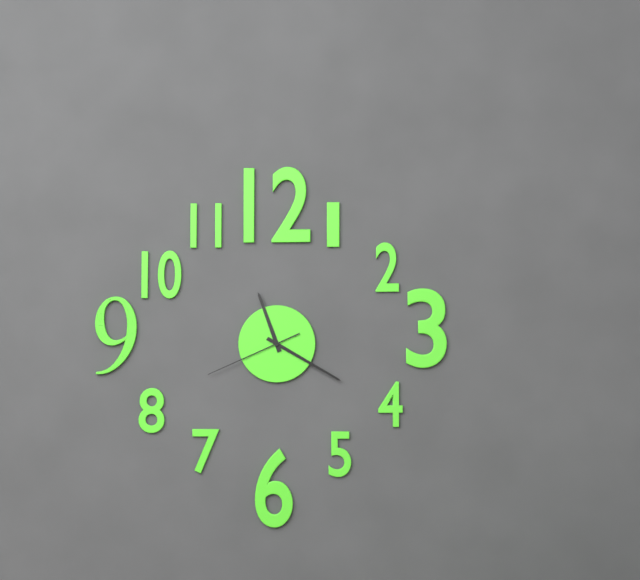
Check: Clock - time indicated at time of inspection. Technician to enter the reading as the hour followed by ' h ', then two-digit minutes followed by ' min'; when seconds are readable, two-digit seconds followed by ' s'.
11 h 20 min 41 s
